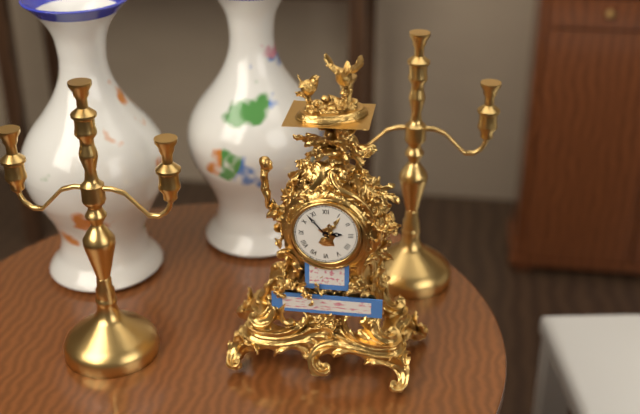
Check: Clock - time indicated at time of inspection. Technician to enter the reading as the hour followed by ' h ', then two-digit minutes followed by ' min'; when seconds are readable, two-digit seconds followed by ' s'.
2 h 53 min
